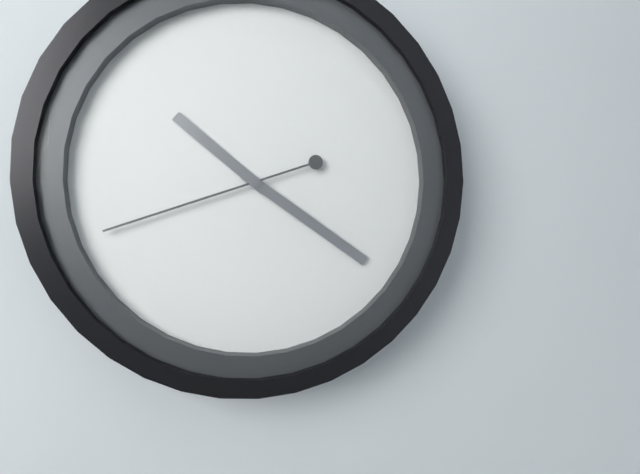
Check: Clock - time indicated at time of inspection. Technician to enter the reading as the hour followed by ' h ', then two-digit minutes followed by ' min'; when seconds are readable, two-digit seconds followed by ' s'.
10 h 21 min 42 s
